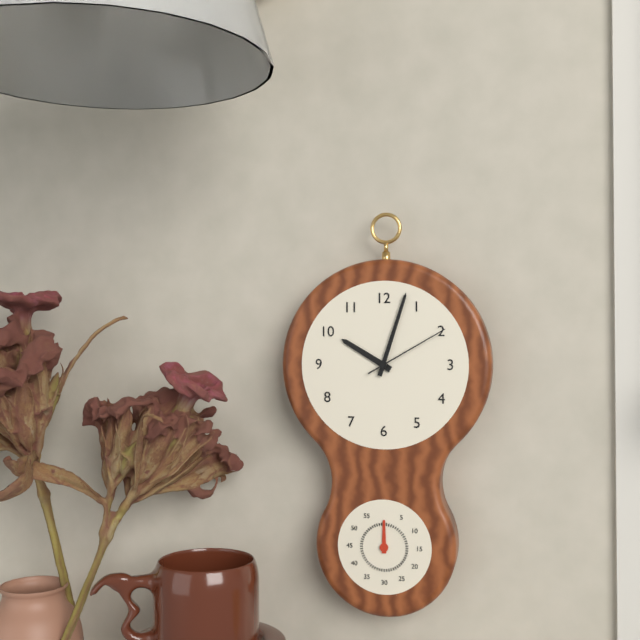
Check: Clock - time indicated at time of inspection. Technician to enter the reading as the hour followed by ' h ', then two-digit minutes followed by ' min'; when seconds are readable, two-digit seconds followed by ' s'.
10 h 03 min 10 s
